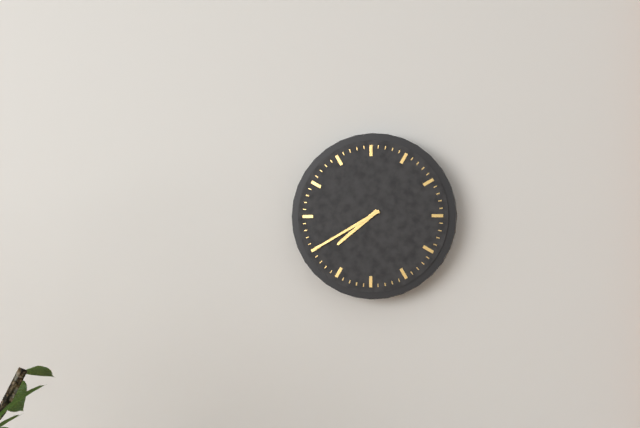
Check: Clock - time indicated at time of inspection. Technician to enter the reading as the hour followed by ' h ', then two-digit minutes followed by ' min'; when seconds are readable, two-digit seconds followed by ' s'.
7 h 40 min
